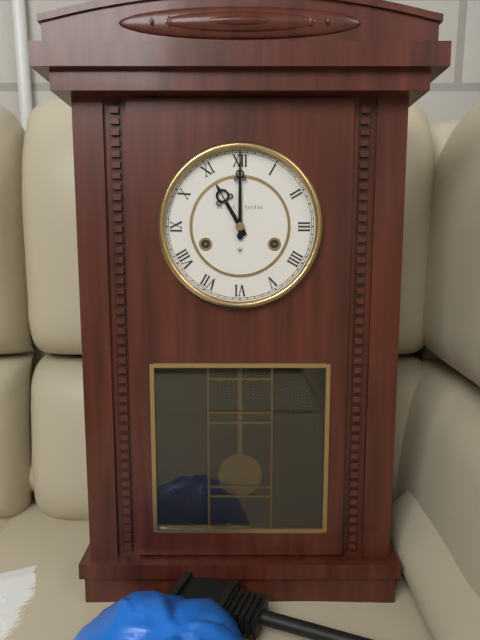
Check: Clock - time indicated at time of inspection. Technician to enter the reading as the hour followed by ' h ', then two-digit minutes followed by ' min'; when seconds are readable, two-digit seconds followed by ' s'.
11 h 00 min
